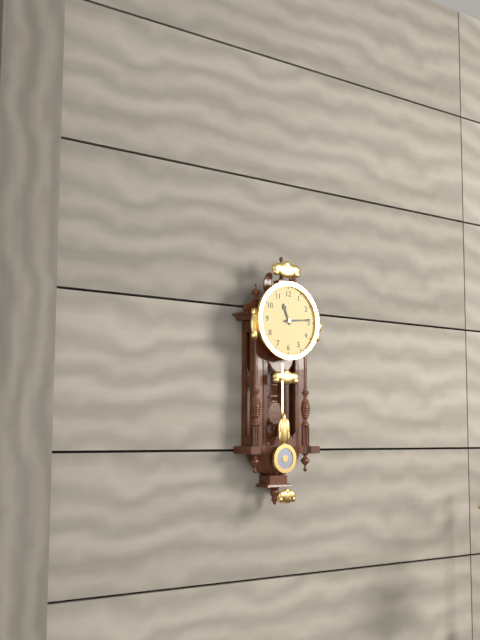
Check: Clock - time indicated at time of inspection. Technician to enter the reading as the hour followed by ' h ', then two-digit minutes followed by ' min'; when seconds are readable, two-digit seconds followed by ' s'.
11 h 14 min
